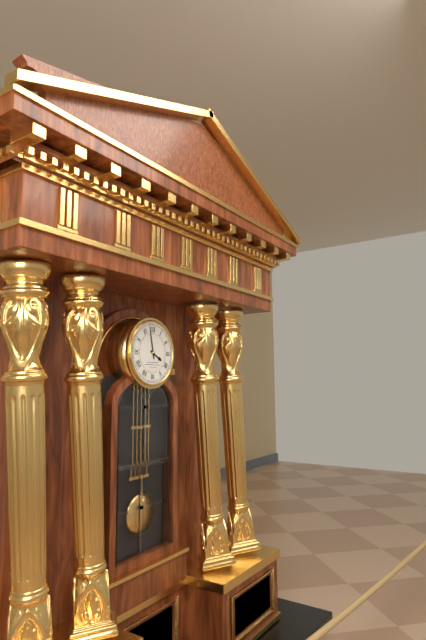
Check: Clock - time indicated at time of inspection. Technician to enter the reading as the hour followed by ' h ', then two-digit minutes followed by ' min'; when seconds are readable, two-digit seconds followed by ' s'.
3 h 58 min
